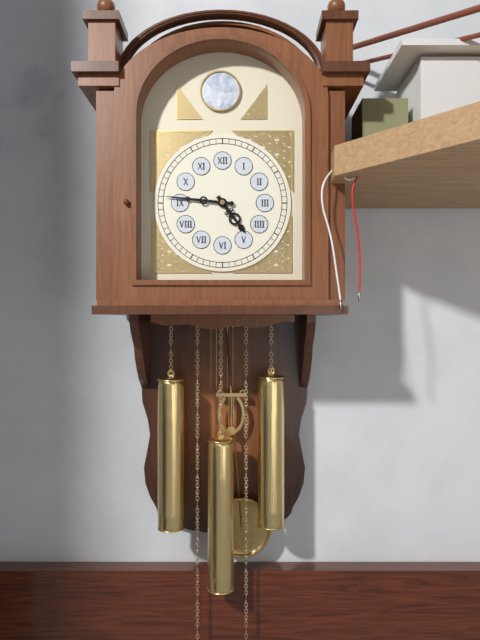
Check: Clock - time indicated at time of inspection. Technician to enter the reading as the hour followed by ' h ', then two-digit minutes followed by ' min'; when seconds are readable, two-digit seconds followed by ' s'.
4 h 46 min
